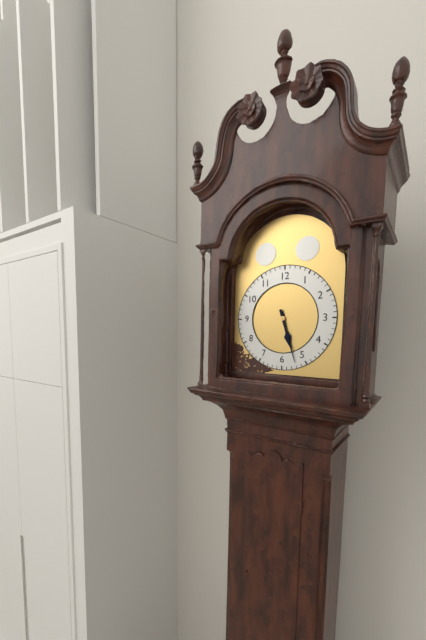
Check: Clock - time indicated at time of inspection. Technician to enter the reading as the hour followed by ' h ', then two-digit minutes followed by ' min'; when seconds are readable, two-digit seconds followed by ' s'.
5 h 27 min
